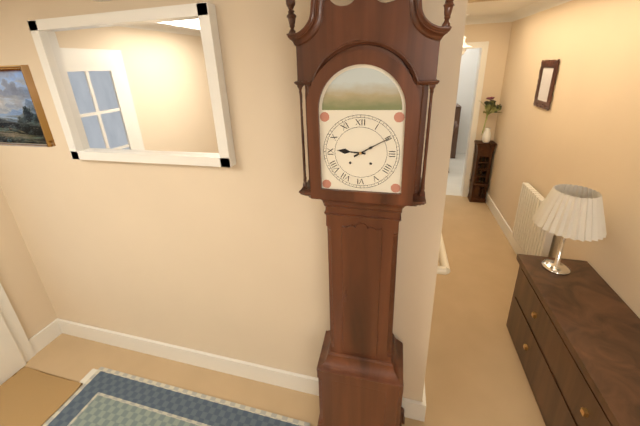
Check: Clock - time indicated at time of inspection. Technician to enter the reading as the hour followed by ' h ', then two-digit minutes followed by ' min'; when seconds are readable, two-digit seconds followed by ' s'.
9 h 10 min
